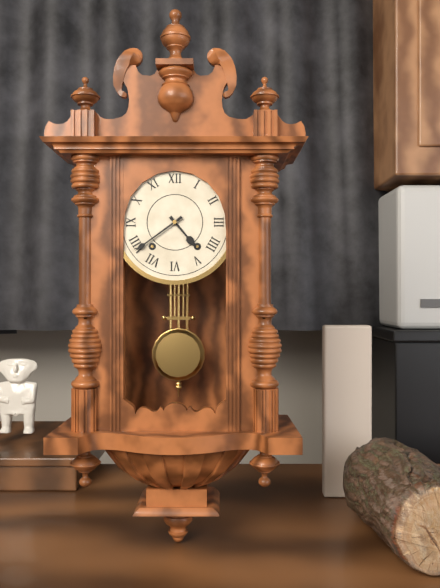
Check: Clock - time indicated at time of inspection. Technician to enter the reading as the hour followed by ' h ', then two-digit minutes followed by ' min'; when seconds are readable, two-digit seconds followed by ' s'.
4 h 39 min
